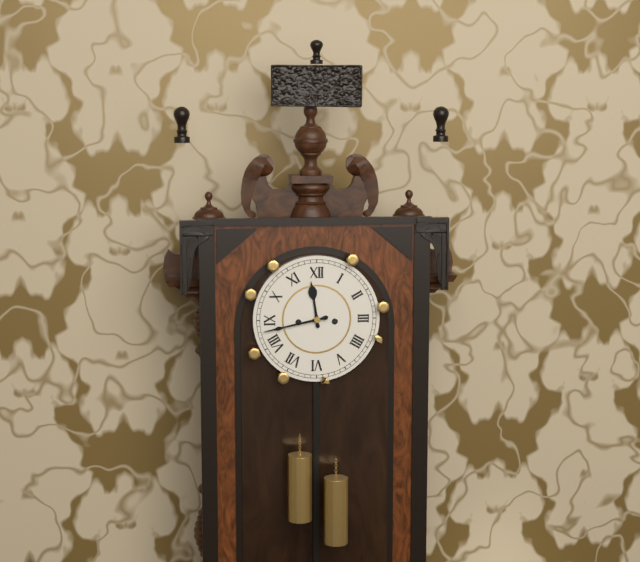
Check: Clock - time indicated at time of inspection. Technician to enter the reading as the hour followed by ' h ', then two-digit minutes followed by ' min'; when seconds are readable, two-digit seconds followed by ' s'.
11 h 43 min
